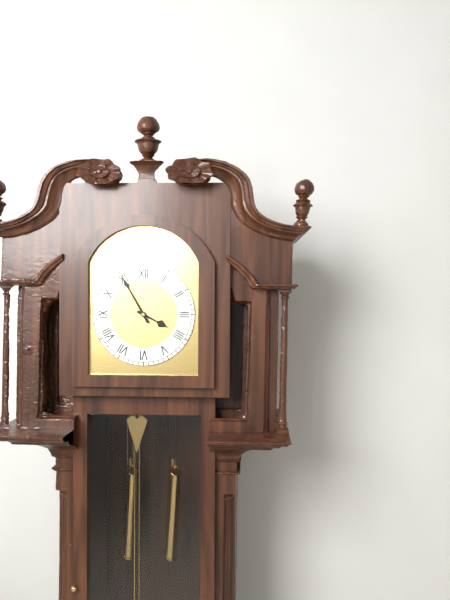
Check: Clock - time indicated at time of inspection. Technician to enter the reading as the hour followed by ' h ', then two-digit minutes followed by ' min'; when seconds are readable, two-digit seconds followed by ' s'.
3 h 55 min
